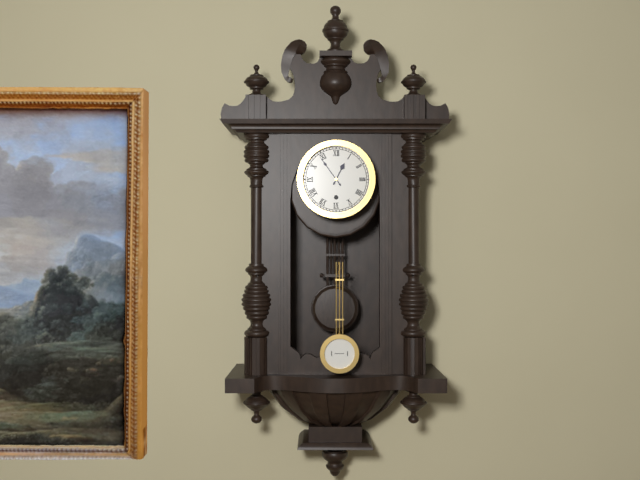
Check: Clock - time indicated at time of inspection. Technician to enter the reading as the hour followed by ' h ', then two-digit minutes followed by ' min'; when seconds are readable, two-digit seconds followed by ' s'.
12 h 54 min
